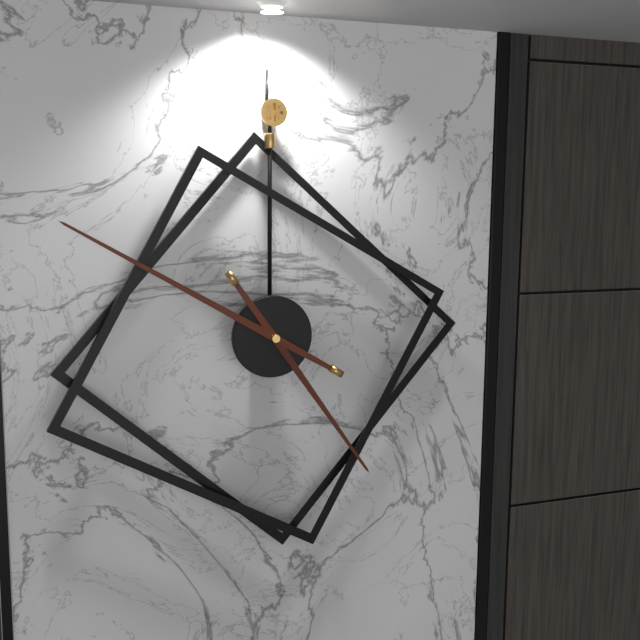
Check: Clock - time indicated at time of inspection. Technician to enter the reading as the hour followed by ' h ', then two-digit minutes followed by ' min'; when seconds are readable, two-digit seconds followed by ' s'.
4 h 50 min
